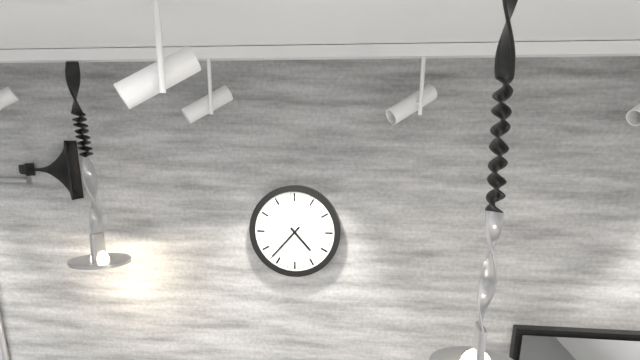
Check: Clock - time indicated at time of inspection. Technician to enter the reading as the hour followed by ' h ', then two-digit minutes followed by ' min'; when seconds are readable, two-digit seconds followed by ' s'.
4 h 37 min
